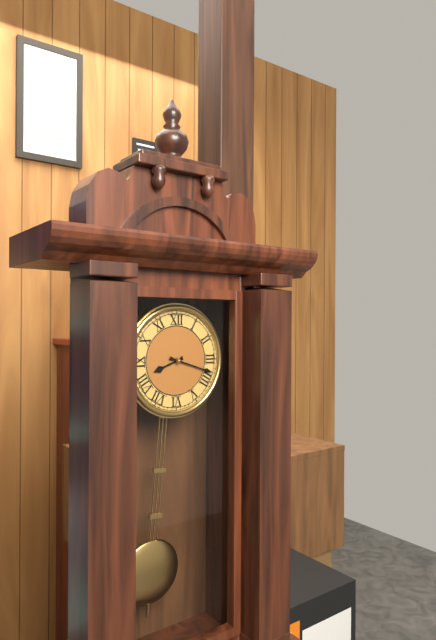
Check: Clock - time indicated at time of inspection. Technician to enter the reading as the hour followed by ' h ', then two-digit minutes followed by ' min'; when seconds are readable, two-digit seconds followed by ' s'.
8 h 18 min
